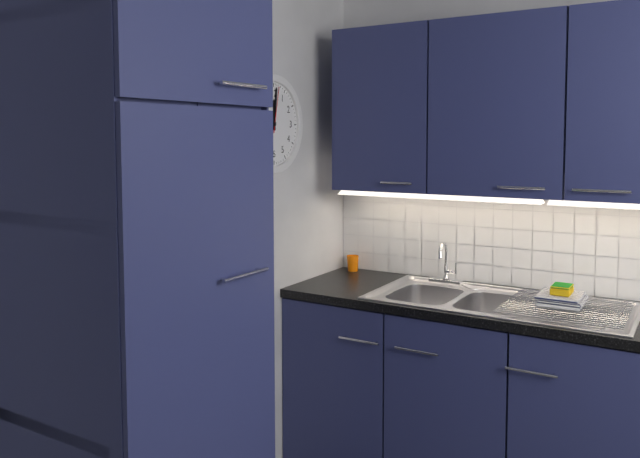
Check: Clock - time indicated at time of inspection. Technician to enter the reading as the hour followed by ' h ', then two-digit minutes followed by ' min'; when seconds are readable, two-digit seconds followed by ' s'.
12 h 01 min
